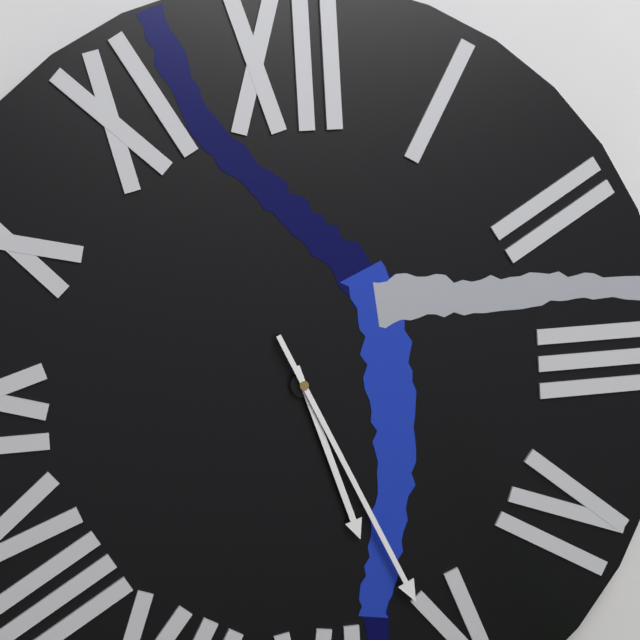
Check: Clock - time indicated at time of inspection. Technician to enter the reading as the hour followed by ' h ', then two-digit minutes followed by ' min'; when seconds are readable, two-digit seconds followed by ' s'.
5 h 26 min
